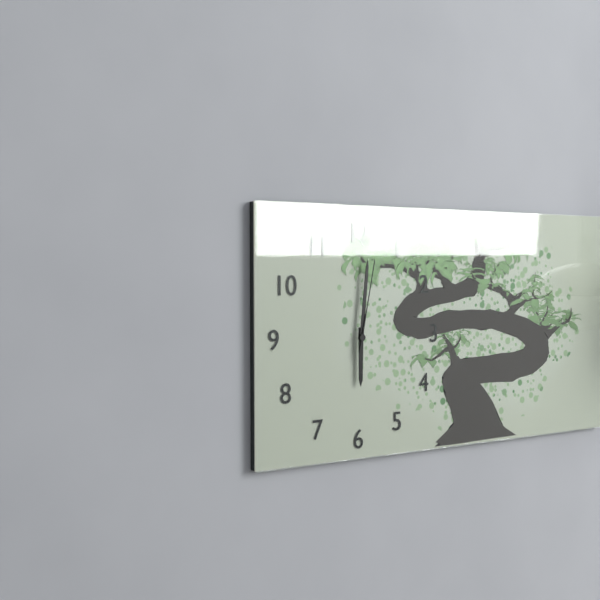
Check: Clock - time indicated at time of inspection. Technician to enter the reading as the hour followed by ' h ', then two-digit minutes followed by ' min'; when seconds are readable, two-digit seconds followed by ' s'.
6 h 01 min 02 s
